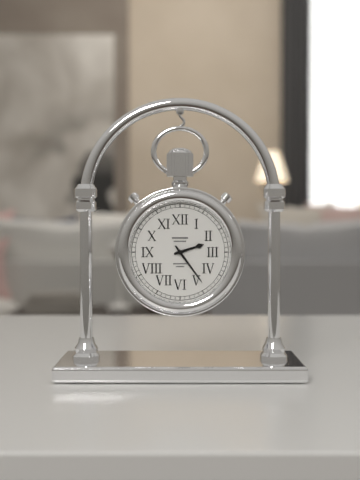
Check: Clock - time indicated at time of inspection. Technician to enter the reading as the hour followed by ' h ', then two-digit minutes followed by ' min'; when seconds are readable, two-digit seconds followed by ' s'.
2 h 24 min
